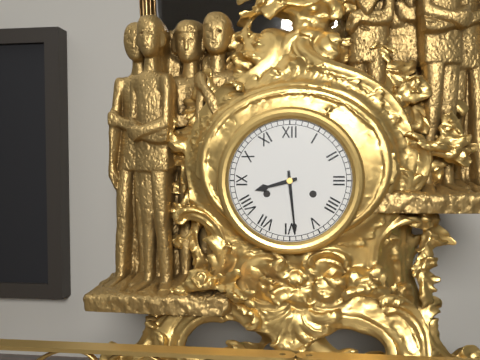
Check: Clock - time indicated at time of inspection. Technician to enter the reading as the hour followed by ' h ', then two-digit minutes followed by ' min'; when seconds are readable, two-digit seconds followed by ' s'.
8 h 29 min
